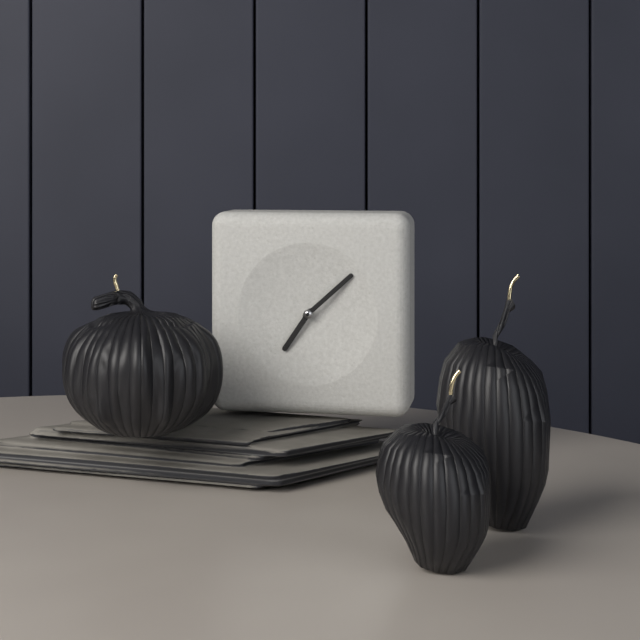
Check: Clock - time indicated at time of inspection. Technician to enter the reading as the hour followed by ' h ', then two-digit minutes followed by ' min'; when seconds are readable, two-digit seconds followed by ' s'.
7 h 08 min
